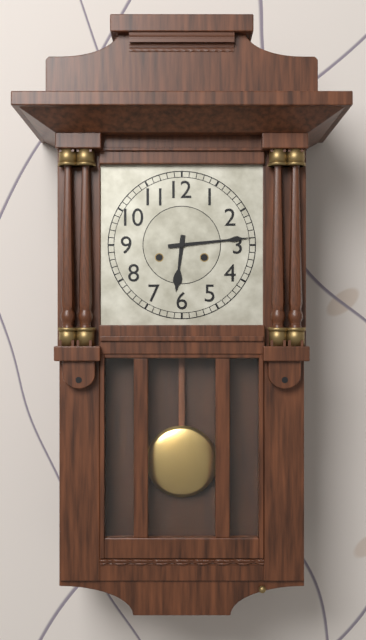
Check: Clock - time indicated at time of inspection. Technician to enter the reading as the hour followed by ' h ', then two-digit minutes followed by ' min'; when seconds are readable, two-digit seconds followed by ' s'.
6 h 14 min
